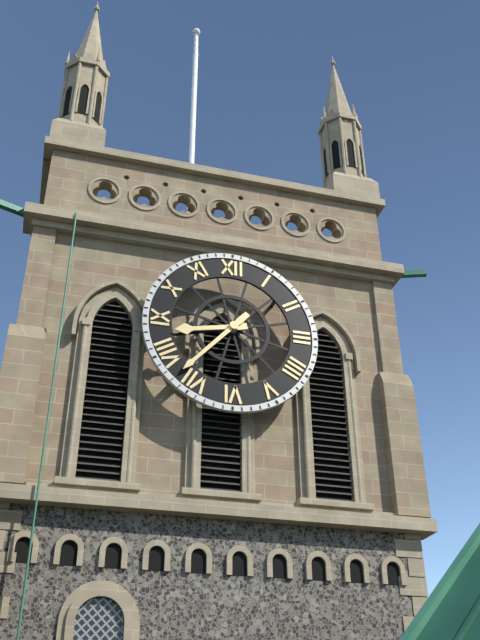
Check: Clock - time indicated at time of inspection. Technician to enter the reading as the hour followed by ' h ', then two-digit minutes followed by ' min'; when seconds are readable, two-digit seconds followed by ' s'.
8 h 37 min
